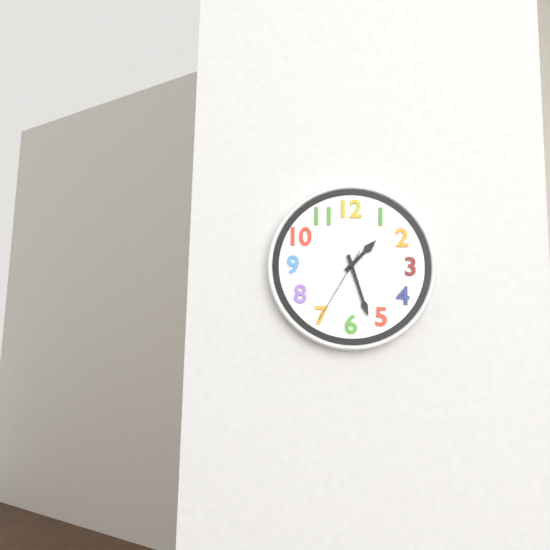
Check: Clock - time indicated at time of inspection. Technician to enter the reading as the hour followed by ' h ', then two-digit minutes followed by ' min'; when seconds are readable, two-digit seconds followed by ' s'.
1 h 27 min 35 s
